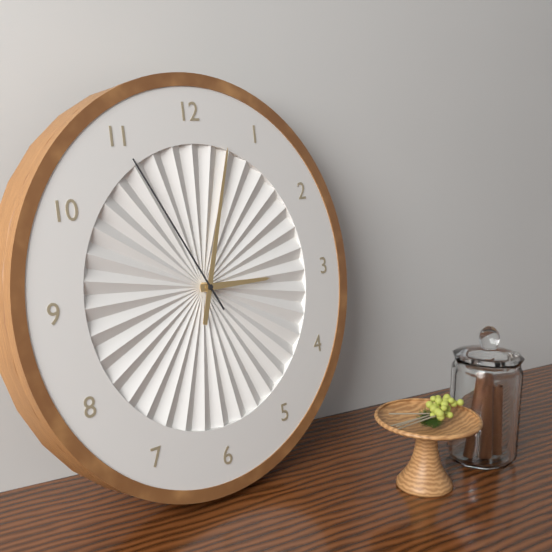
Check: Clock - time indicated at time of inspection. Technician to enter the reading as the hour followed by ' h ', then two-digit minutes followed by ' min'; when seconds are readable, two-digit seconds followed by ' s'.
3 h 03 min 55 s
